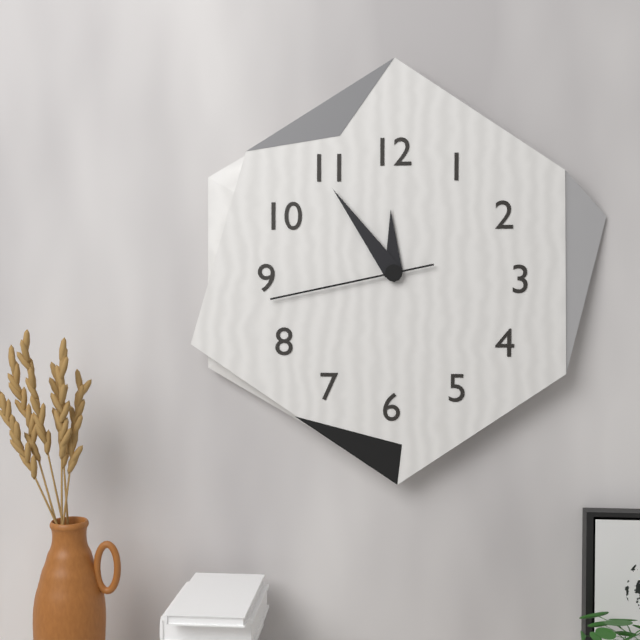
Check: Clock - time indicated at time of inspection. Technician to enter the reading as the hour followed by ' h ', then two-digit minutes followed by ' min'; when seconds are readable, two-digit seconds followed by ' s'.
11 h 54 min 43 s
